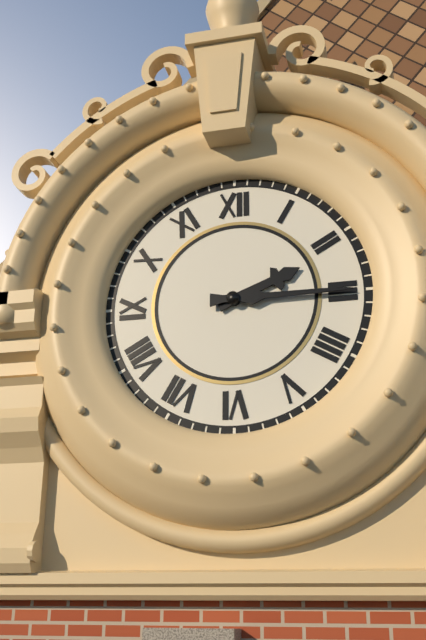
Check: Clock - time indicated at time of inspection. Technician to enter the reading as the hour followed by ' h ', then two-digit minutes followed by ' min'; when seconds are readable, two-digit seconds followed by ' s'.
2 h 15 min
